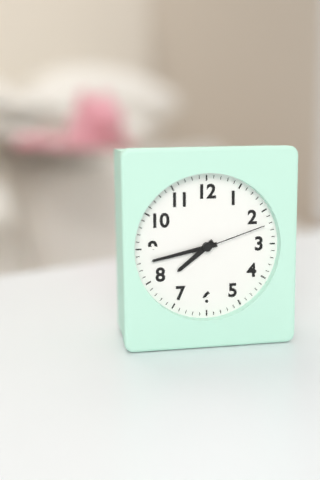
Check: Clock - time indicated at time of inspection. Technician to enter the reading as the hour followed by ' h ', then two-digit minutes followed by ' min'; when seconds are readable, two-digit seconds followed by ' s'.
7 h 43 min 12 s
